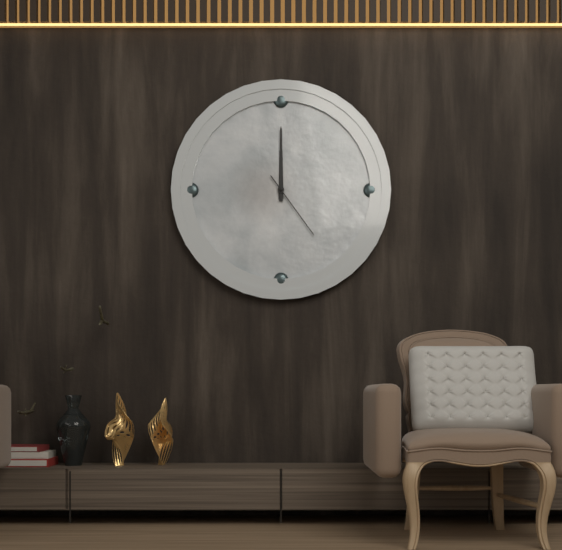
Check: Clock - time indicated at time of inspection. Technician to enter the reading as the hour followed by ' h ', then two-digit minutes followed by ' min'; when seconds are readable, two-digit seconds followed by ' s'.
12 h 00 min 24 s
